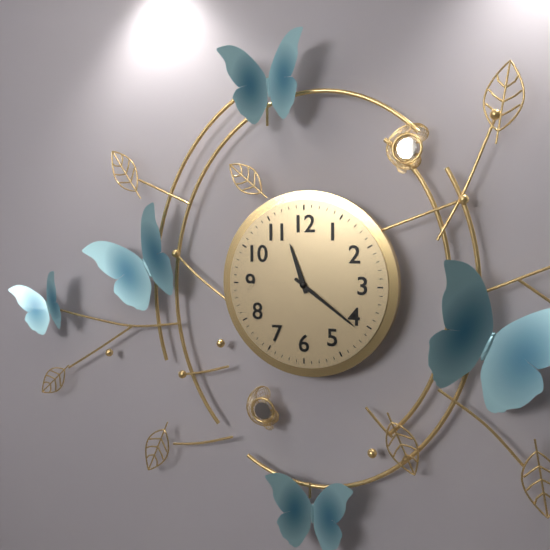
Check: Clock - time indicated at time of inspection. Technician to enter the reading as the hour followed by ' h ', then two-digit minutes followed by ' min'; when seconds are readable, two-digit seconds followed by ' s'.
11 h 21 min
